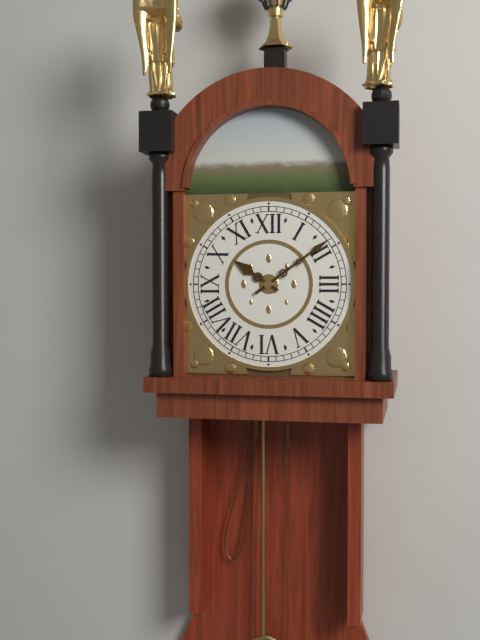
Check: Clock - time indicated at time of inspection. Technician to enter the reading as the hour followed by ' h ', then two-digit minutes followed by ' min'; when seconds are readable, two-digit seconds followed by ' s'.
10 h 09 min
